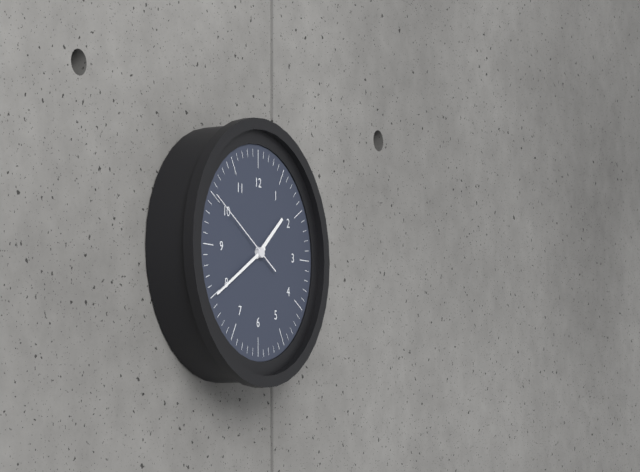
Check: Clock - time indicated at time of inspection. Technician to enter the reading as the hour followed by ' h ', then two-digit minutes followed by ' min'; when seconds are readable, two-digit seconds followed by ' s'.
1 h 40 min 50 s
